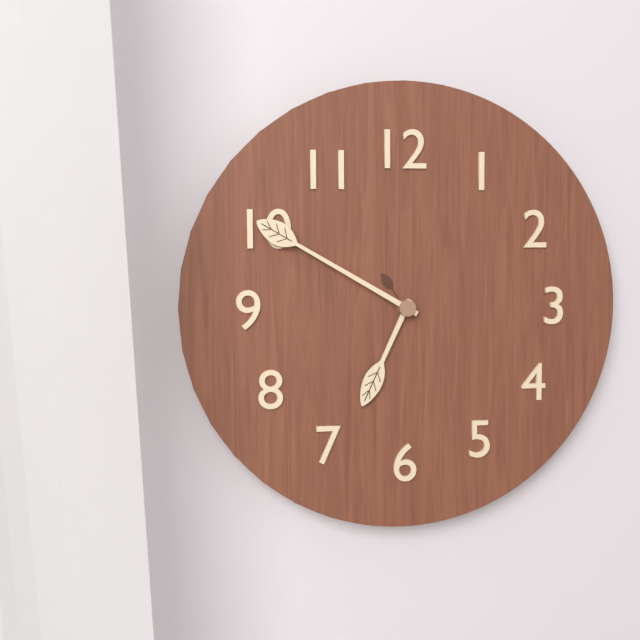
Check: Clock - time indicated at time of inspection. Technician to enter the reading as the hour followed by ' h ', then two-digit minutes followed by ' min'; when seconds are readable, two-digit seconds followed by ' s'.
6 h 50 min
